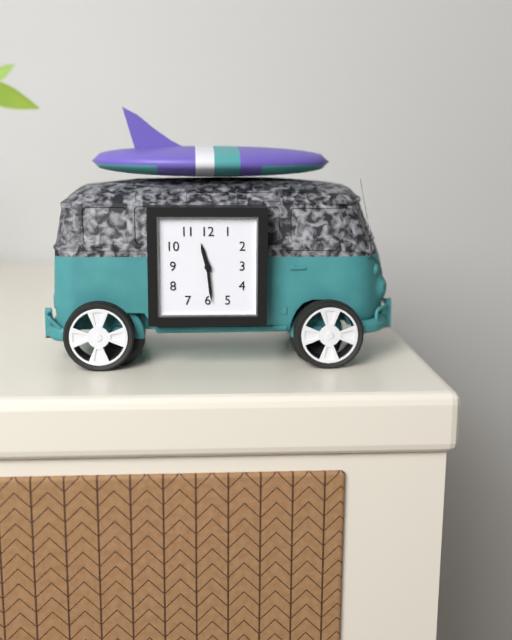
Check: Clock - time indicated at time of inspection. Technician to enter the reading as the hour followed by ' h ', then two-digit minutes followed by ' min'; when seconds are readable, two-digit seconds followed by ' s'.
11 h 29 min
